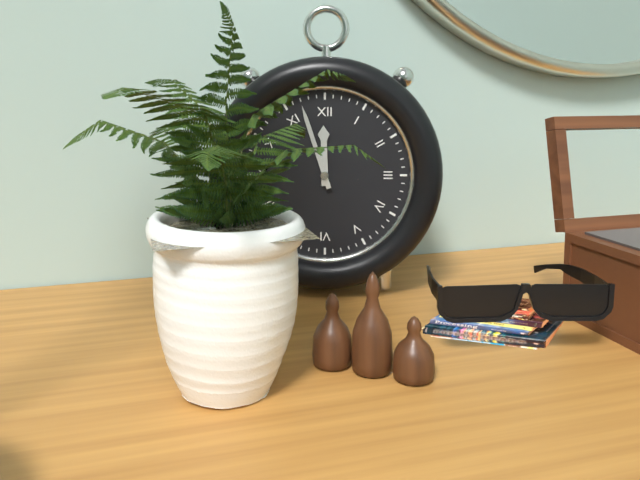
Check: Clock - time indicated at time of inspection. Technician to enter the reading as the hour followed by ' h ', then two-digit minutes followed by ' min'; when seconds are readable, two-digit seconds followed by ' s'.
11 h 57 min
